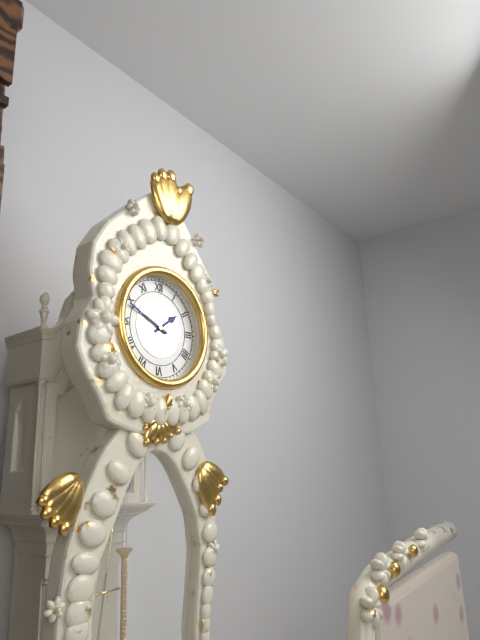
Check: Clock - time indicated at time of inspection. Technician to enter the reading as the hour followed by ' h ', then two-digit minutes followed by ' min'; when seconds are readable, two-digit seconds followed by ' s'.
1 h 49 min
